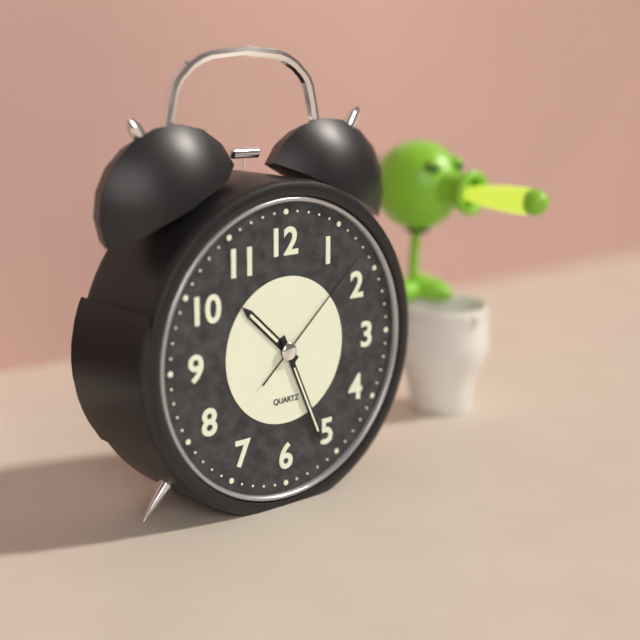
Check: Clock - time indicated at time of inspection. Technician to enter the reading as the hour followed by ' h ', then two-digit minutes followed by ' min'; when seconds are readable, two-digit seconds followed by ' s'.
10 h 26 min 08 s
